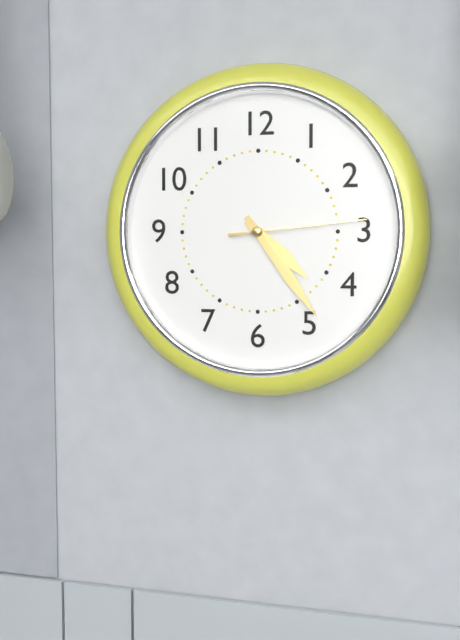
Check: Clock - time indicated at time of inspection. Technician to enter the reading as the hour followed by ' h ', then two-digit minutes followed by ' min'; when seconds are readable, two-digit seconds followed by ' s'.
4 h 24 min 14 s
